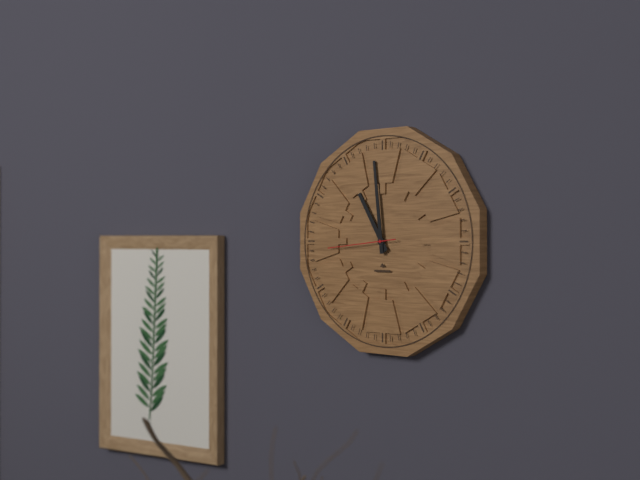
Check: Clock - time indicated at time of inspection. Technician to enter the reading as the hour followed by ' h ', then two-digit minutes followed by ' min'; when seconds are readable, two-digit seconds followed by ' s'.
10 h 59 min 44 s
